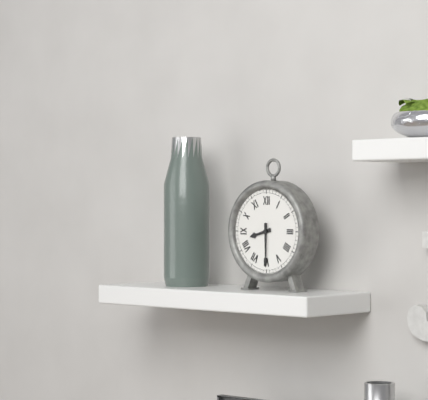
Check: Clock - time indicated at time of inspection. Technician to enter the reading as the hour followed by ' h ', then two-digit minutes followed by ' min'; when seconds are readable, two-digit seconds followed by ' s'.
8 h 30 min
